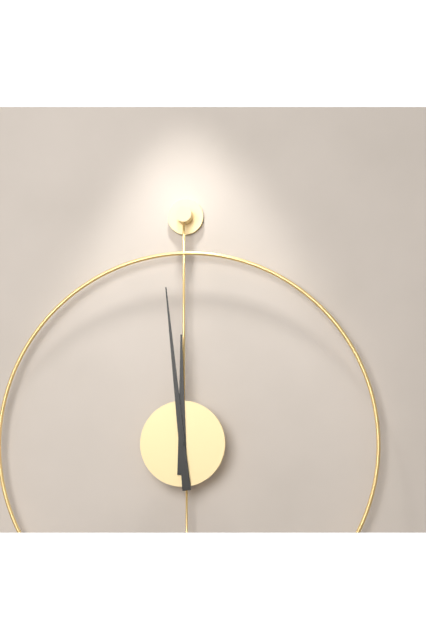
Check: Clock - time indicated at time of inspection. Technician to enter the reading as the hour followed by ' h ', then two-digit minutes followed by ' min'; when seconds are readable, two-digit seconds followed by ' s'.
11 h 59 min
